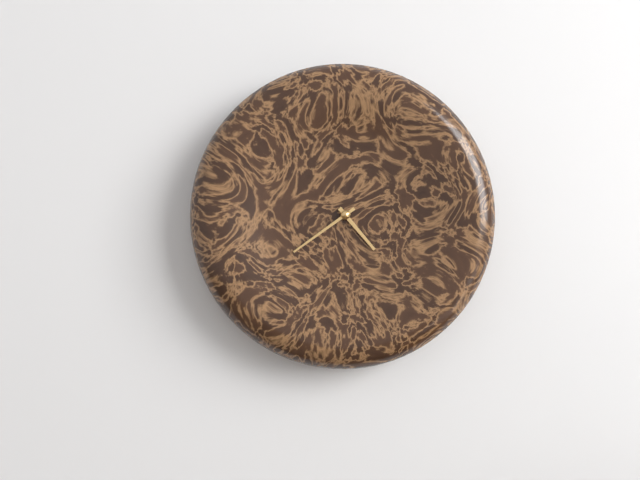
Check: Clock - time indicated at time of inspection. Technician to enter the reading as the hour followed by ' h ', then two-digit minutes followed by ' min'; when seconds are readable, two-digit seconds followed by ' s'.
4 h 39 min
